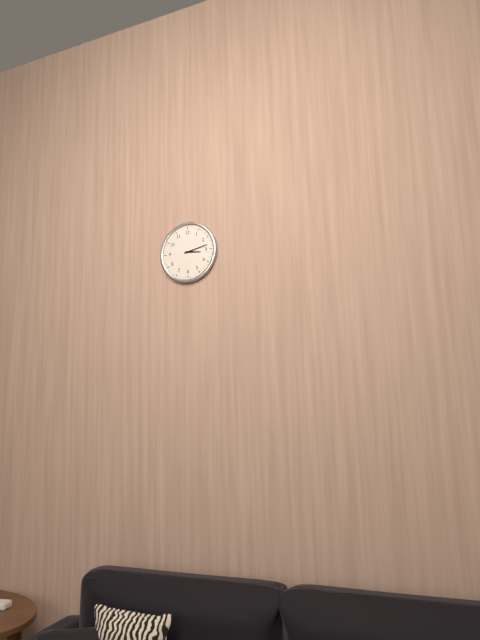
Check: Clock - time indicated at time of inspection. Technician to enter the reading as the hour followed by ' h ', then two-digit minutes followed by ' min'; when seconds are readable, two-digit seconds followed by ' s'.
3 h 13 min
